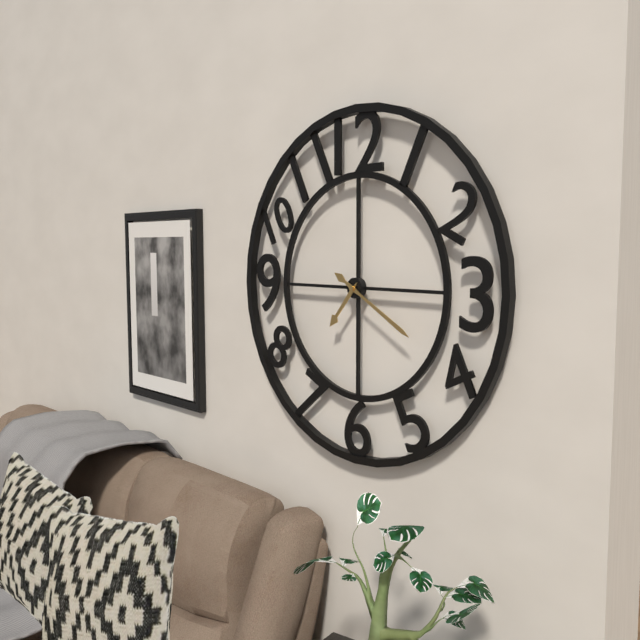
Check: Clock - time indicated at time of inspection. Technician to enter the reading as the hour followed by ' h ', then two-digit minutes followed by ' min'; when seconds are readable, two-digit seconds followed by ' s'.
7 h 20 min
